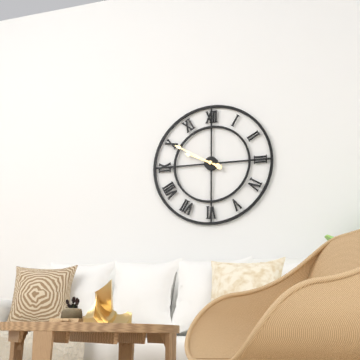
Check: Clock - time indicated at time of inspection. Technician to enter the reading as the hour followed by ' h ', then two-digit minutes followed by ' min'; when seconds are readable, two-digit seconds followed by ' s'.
9 h 50 min
